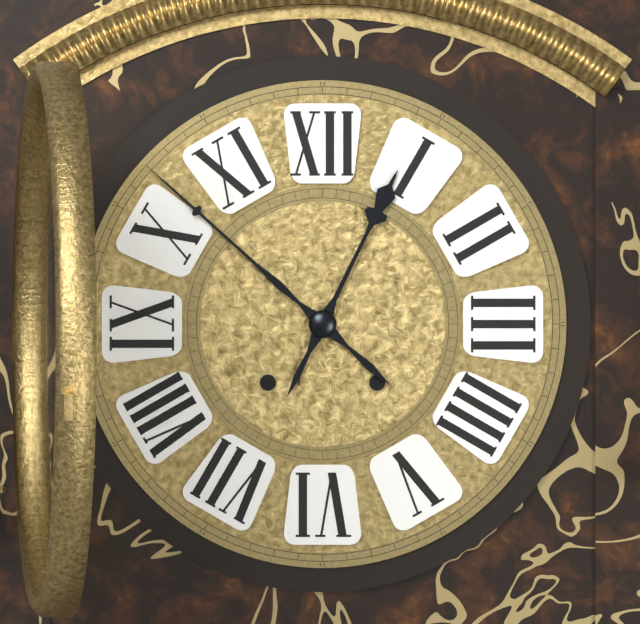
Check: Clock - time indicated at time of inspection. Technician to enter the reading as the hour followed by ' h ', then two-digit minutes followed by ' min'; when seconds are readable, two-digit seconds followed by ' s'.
12 h 52 min
